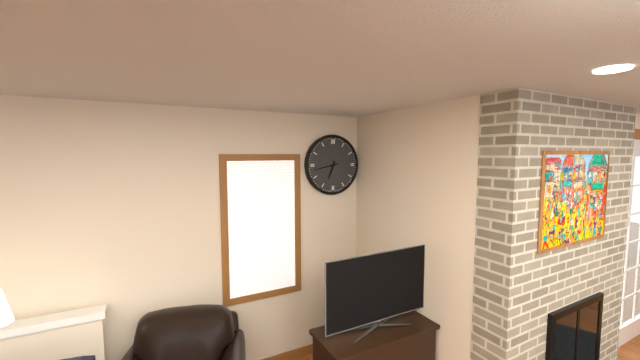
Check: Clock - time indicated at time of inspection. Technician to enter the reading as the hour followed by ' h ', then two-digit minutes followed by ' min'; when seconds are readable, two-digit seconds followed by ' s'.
6 h 43 min
